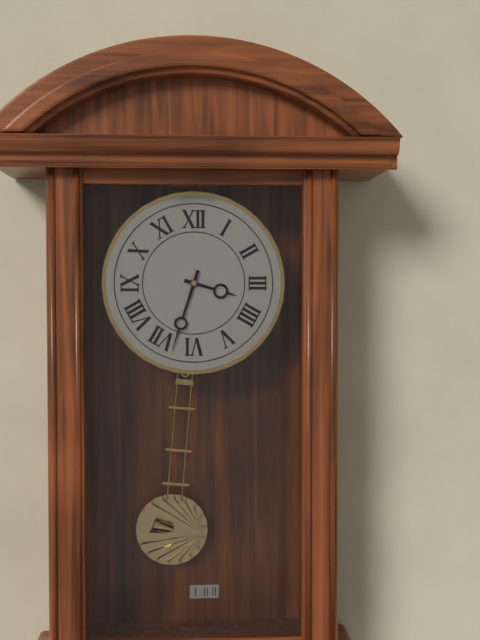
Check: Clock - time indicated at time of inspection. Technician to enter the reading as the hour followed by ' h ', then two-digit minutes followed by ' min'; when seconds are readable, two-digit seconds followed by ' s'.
3 h 33 min
